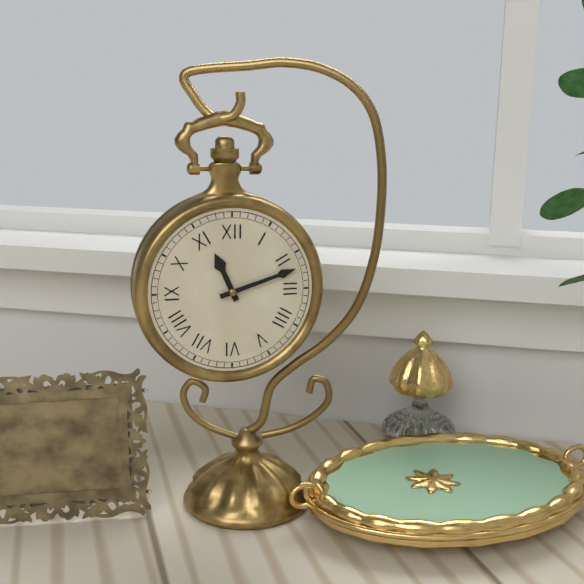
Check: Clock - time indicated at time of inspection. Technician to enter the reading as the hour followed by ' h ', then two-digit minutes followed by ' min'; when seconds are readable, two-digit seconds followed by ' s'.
11 h 12 min
